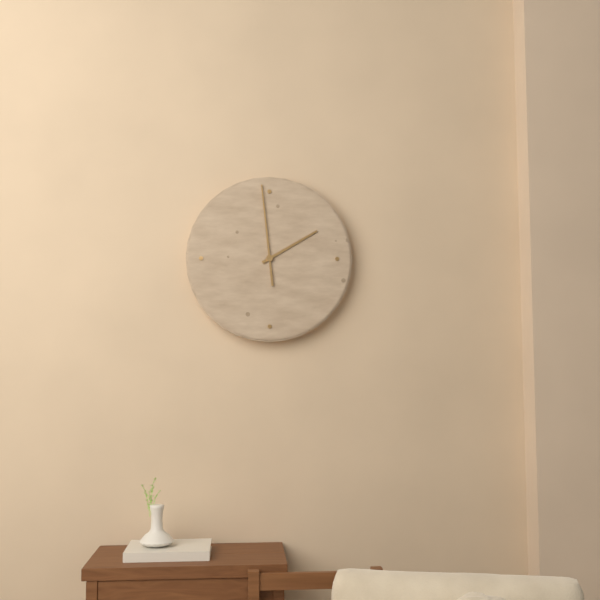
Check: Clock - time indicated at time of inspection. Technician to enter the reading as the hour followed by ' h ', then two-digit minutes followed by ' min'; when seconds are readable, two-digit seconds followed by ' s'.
1 h 59 min
